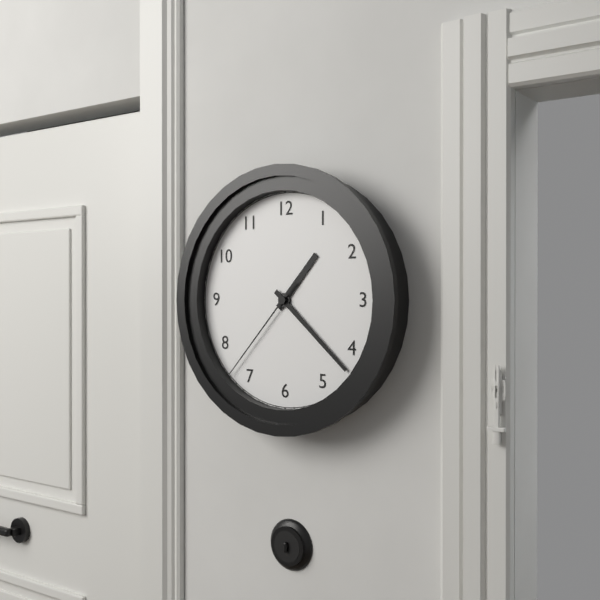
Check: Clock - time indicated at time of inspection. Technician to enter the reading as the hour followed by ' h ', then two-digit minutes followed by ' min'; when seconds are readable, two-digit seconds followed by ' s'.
1 h 22 min 37 s
